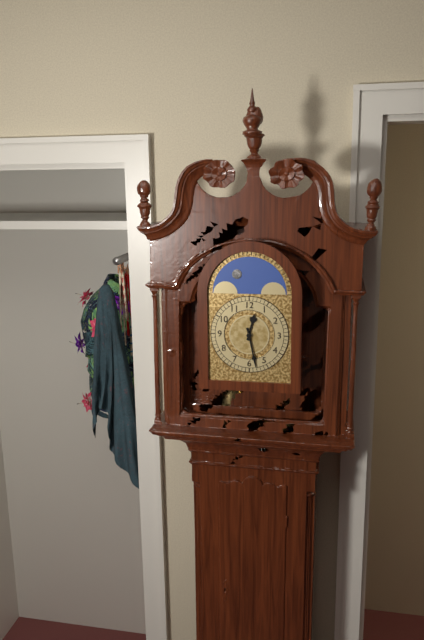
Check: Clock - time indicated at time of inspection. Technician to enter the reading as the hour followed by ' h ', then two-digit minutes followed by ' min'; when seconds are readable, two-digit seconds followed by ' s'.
12 h 28 min
